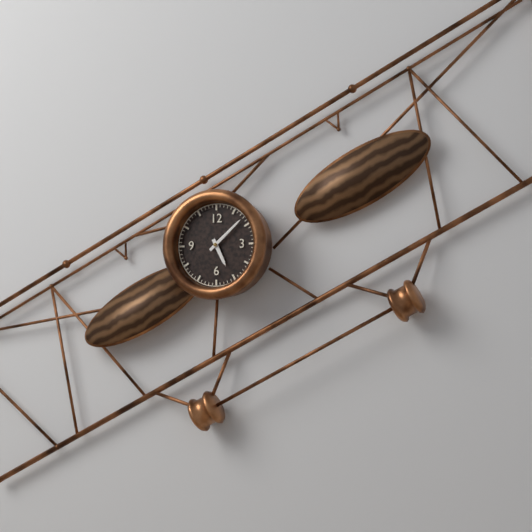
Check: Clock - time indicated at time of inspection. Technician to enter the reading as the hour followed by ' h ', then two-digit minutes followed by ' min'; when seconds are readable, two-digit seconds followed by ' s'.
5 h 08 min
